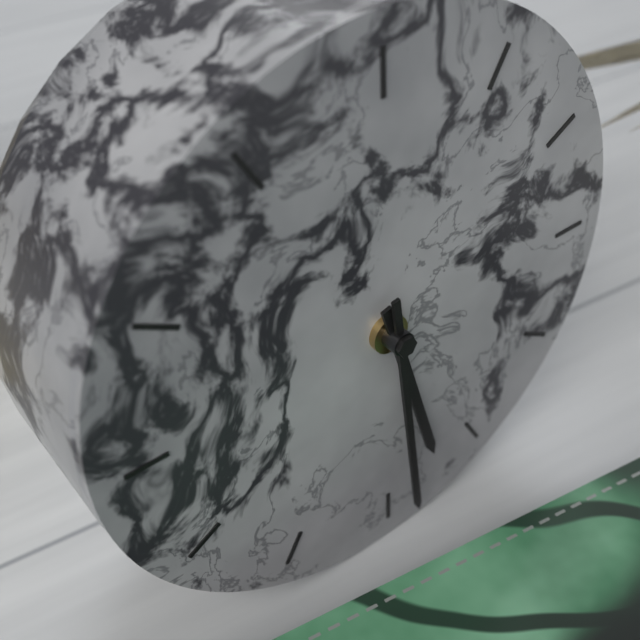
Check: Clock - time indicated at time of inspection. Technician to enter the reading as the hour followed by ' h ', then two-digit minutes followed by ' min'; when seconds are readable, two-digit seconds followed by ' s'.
5 h 29 min
